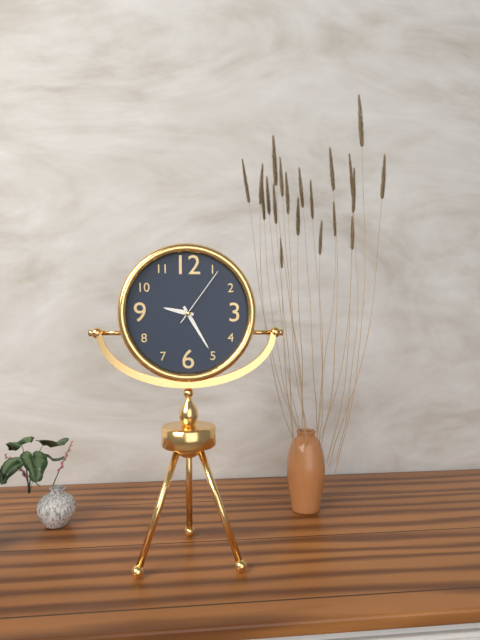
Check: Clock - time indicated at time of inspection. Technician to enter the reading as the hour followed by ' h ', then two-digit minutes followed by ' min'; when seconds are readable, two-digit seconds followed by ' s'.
9 h 25 min 06 s
